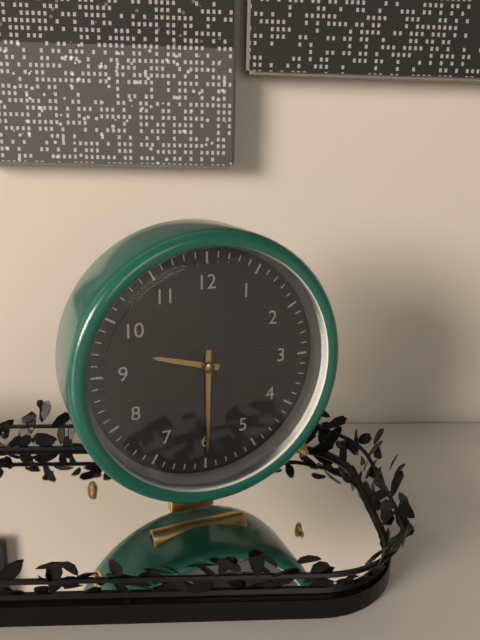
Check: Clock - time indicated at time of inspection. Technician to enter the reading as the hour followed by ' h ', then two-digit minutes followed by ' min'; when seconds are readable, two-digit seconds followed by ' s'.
9 h 30 min 53 s
